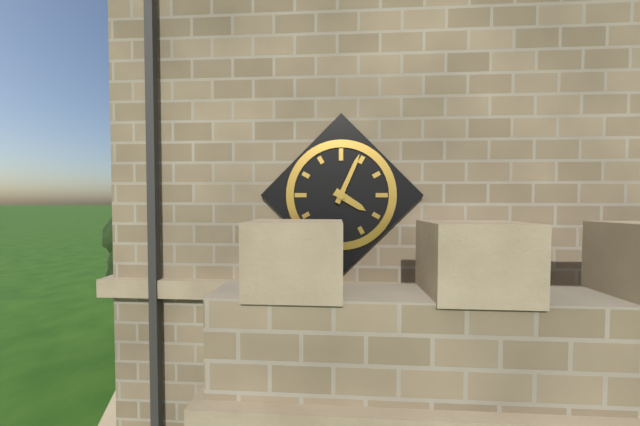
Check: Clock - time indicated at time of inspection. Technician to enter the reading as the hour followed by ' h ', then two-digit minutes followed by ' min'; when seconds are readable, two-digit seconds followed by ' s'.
4 h 04 min
